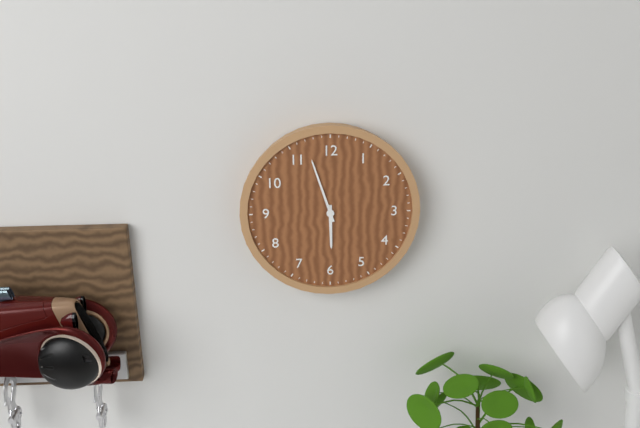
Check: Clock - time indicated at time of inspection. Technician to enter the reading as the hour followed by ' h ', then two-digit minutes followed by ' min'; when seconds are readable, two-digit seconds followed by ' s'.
5 h 57 min
